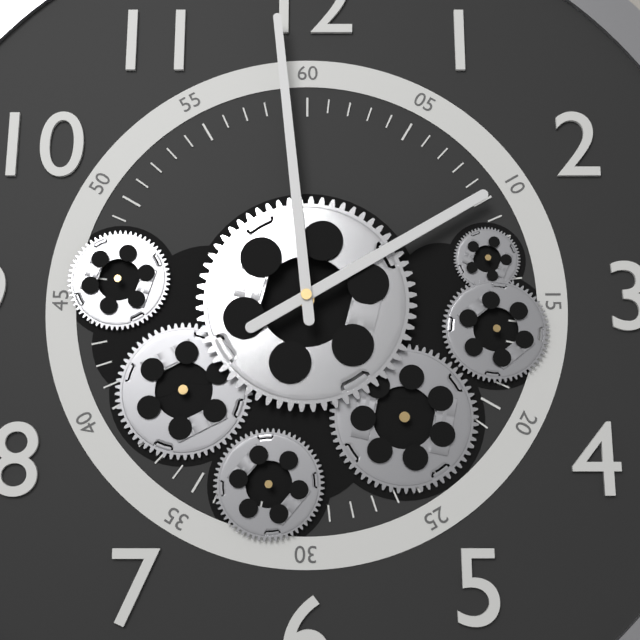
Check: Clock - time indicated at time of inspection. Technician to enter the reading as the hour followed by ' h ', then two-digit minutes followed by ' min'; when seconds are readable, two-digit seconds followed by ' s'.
1 h 59 min
